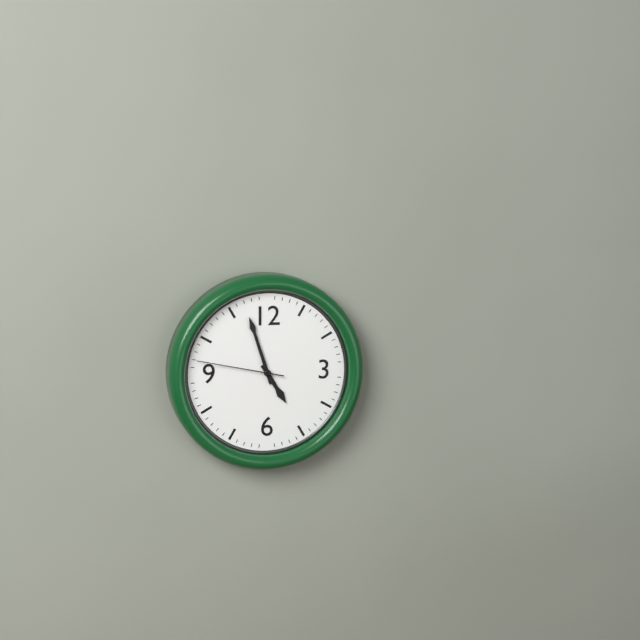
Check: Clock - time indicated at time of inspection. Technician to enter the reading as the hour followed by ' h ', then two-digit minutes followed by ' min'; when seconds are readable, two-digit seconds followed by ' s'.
4 h 57 min 47 s
